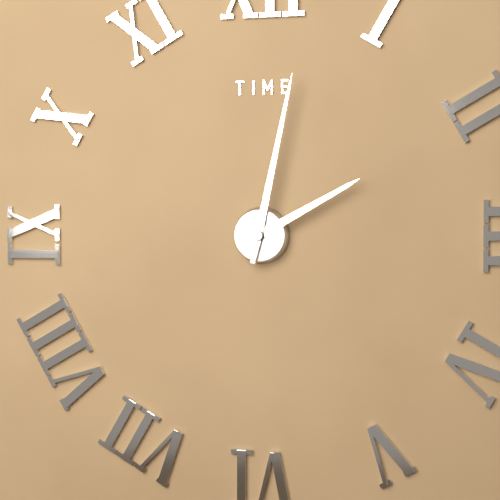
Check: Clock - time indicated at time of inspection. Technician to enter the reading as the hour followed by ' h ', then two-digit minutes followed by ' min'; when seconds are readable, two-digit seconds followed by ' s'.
2 h 02 min
